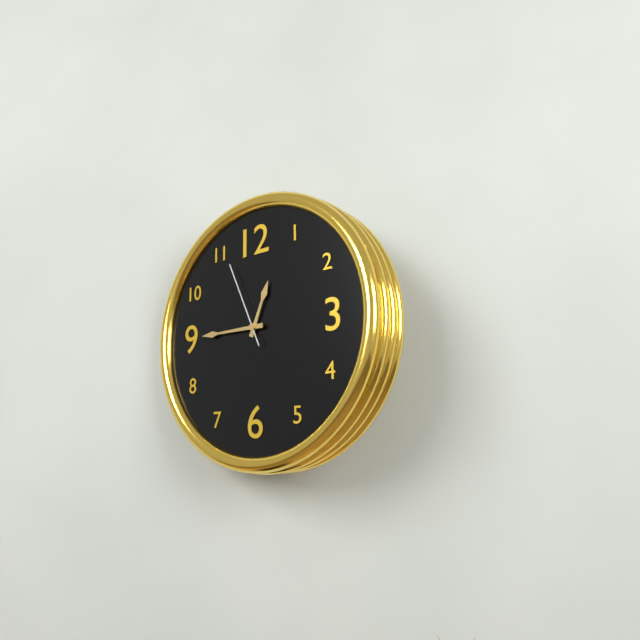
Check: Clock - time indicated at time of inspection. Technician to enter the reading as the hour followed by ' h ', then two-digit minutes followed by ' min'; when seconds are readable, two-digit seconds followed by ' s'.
12 h 45 min 56 s
